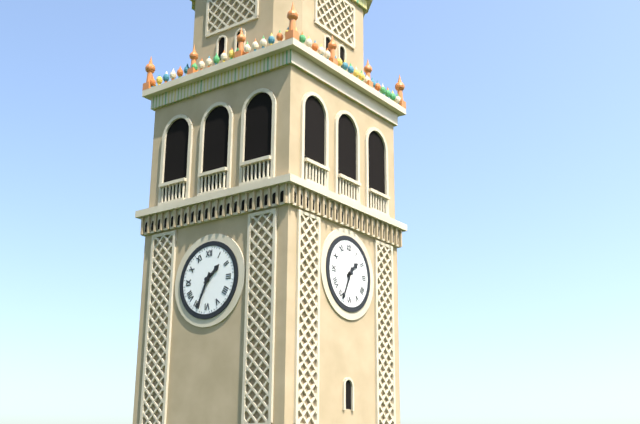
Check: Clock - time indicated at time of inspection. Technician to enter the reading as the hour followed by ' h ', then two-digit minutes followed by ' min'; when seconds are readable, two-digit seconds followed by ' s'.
1 h 34 min
